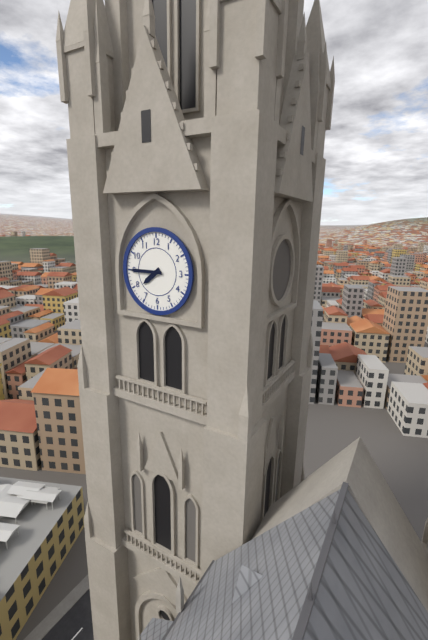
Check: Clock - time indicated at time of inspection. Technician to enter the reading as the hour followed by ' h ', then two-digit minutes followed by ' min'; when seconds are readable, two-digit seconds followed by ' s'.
7 h 45 min
